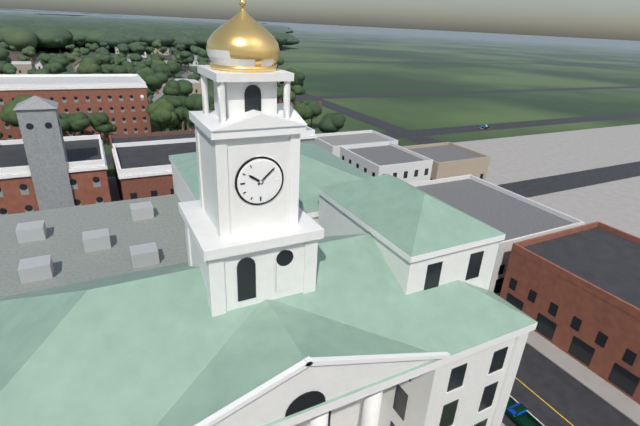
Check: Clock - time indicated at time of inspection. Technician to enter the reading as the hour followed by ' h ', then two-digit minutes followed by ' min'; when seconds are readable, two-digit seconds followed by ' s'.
10 h 08 min
